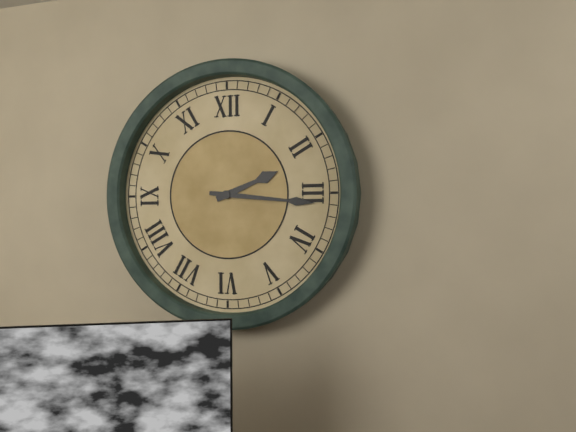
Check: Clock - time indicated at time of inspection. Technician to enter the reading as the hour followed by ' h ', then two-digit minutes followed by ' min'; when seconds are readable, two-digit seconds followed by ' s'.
2 h 16 min
